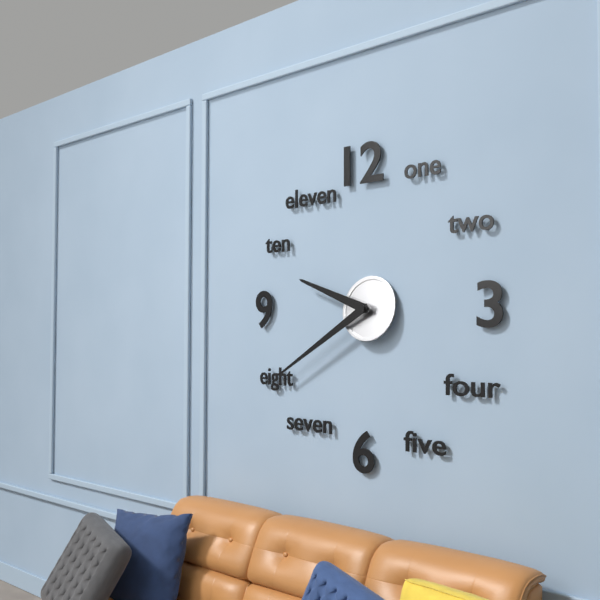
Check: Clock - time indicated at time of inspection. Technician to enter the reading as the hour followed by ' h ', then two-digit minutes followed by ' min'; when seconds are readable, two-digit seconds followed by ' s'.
9 h 40 min
